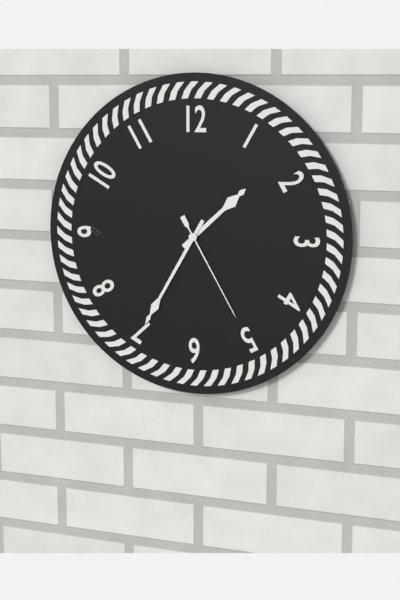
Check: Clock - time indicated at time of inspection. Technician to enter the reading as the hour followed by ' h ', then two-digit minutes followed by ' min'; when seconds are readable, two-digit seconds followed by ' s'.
1 h 35 min 25 s
